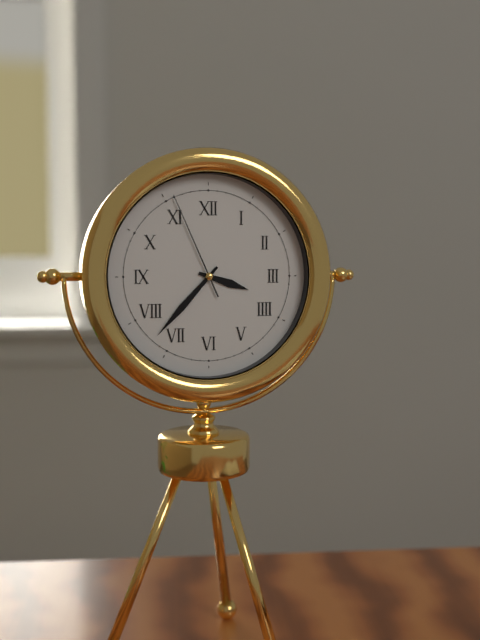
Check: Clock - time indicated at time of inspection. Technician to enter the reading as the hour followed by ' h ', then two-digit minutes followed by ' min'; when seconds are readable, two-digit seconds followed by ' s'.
3 h 37 min 56 s
